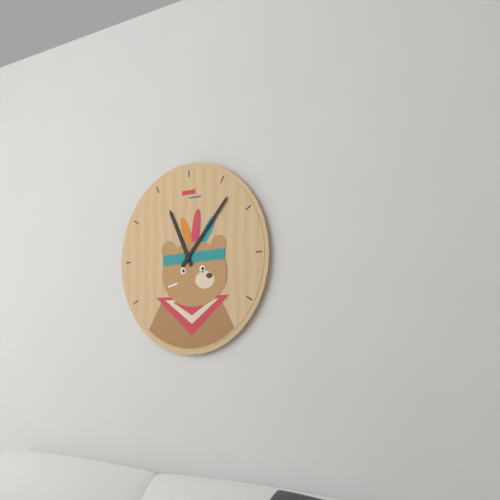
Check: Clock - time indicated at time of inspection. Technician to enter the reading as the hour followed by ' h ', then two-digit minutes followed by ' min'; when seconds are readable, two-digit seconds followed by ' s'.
11 h 07 min
